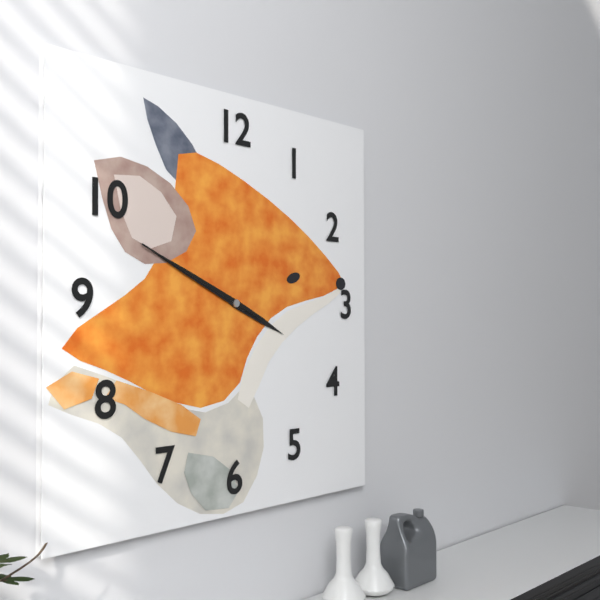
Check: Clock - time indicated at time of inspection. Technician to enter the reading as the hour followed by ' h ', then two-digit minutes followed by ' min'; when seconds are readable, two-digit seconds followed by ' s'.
3 h 49 min 49 s
